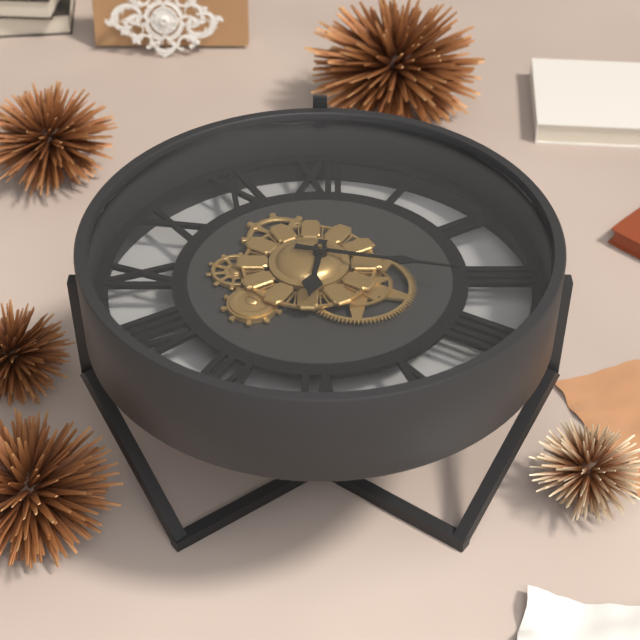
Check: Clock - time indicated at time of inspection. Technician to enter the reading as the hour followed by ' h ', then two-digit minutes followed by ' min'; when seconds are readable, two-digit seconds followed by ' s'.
6 h 17 min
